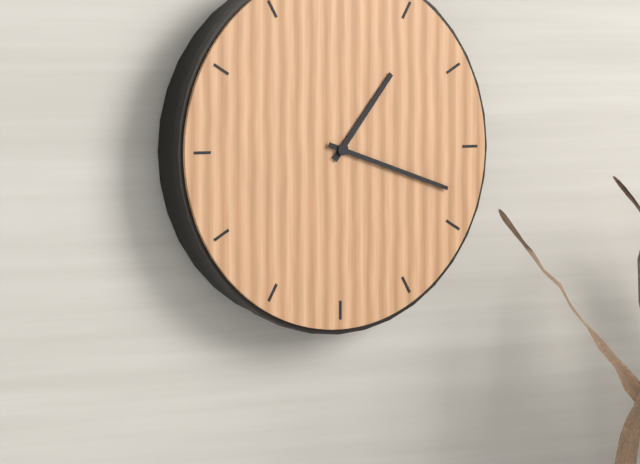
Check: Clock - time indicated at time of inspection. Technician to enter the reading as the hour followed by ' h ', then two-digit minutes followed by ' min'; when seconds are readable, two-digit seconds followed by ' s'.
1 h 18 min
